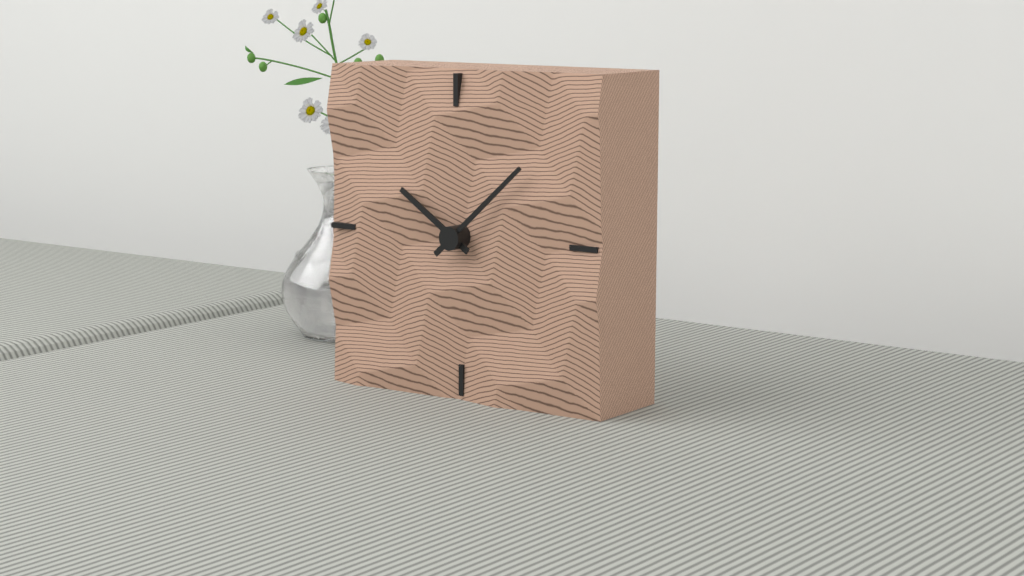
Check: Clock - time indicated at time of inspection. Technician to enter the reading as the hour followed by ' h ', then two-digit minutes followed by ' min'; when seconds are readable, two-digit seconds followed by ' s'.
10 h 08 min
